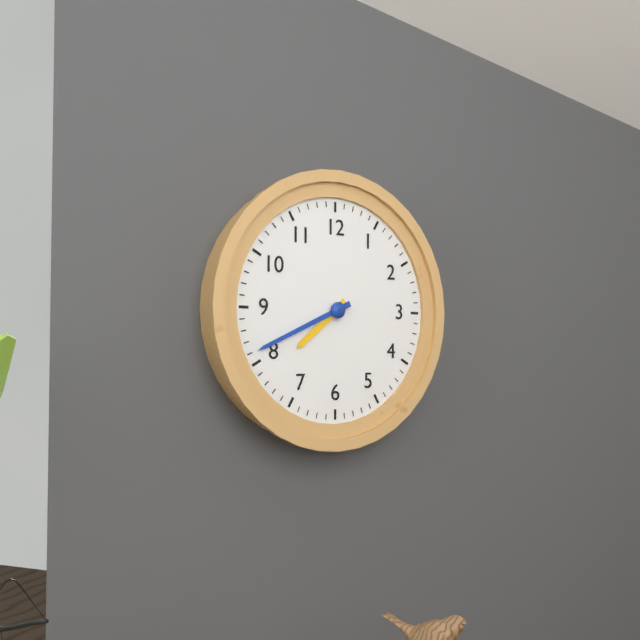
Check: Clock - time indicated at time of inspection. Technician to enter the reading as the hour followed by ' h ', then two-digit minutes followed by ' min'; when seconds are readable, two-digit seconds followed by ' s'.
7 h 41 min
